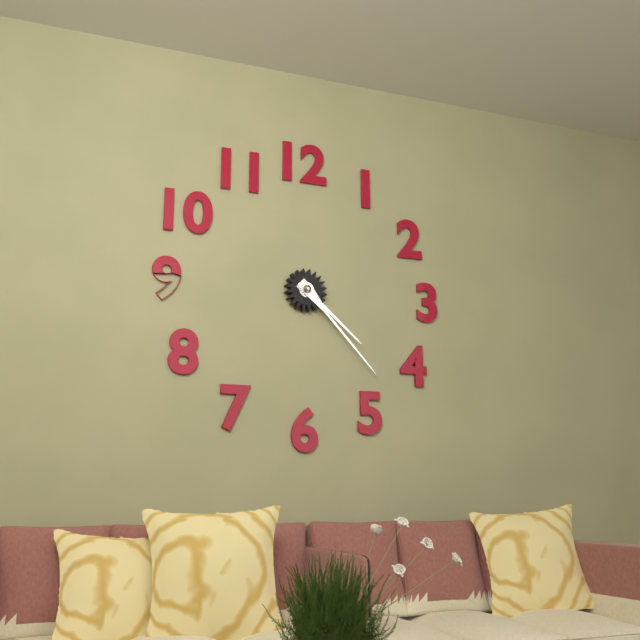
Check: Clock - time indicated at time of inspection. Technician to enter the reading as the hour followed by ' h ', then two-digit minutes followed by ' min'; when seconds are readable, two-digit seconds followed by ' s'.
4 h 23 min
